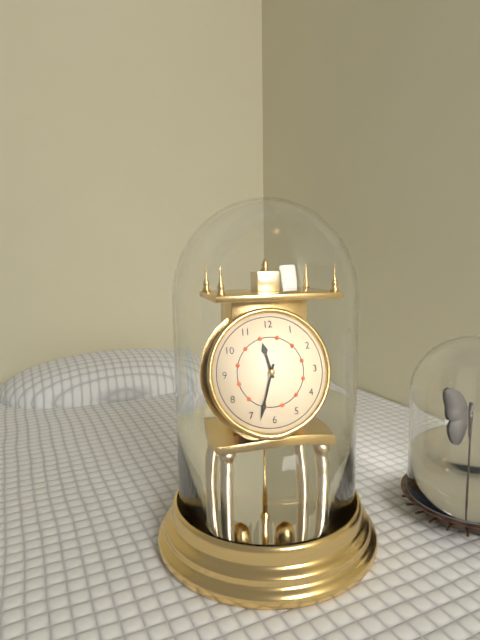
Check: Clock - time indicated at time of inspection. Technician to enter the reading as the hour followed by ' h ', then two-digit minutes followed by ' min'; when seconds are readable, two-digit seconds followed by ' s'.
11 h 33 min
